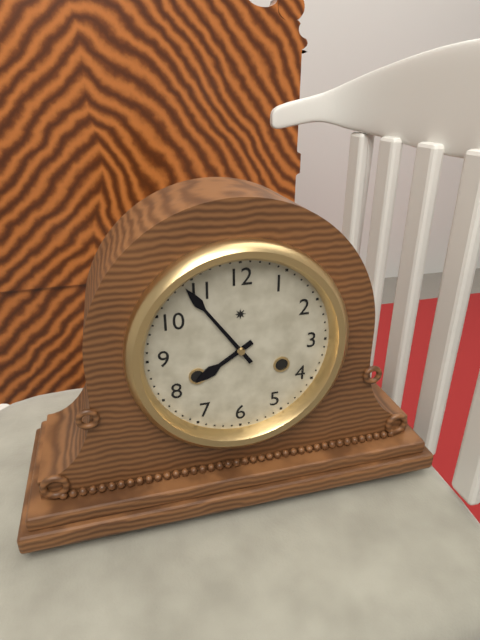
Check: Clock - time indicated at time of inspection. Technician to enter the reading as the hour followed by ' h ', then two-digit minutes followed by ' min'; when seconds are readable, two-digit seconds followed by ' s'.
7 h 54 min
